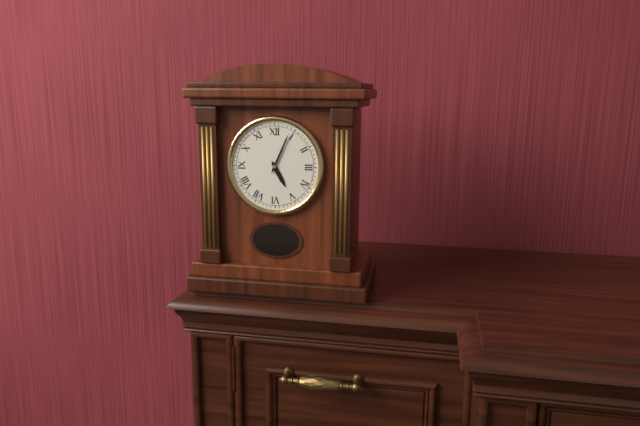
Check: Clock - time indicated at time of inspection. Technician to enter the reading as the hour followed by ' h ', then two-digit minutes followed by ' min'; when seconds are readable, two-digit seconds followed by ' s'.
5 h 04 min
